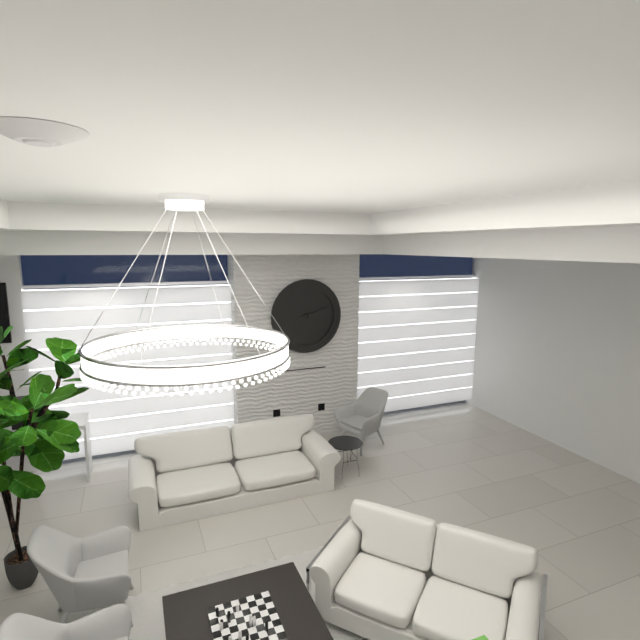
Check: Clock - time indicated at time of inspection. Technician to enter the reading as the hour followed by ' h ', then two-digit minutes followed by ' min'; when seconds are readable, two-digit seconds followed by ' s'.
8 h 12 min
